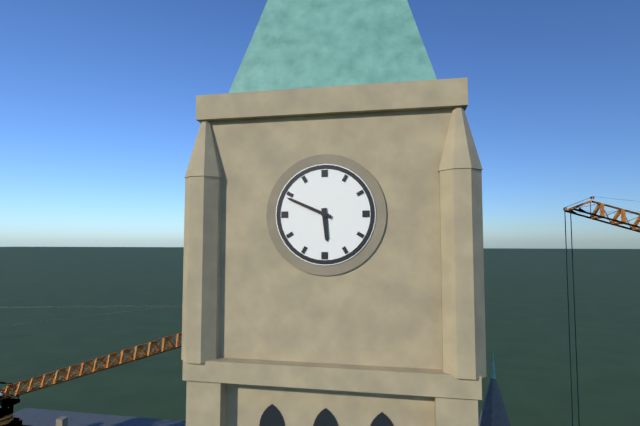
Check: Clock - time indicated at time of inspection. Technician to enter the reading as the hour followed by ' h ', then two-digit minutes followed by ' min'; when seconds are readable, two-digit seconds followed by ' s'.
5 h 49 min
